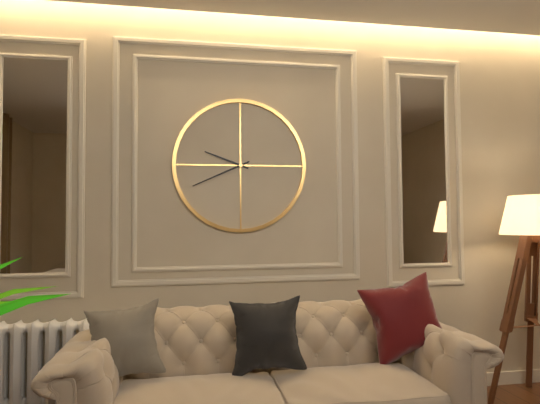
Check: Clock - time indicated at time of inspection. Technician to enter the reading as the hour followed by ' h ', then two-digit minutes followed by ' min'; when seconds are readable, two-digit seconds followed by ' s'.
9 h 41 min
